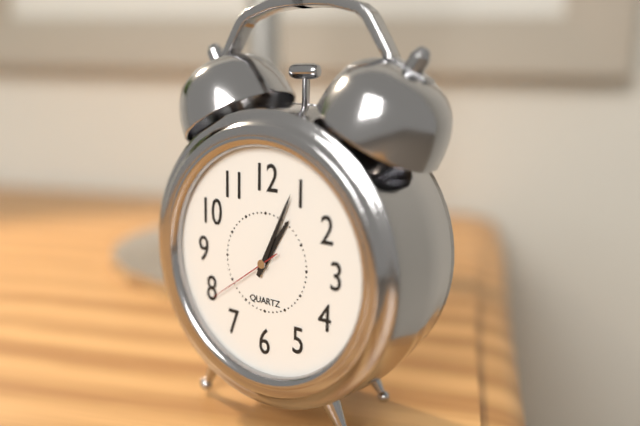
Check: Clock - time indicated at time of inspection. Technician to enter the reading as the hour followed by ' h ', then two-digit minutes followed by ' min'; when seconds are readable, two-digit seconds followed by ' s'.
1 h 04 min 39 s
